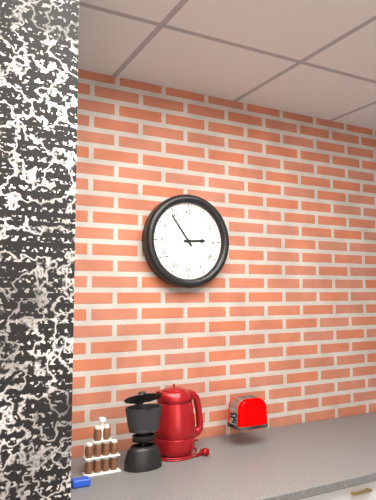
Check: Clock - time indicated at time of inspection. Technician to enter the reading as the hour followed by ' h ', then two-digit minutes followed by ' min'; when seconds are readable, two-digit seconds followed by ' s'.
2 h 54 min
